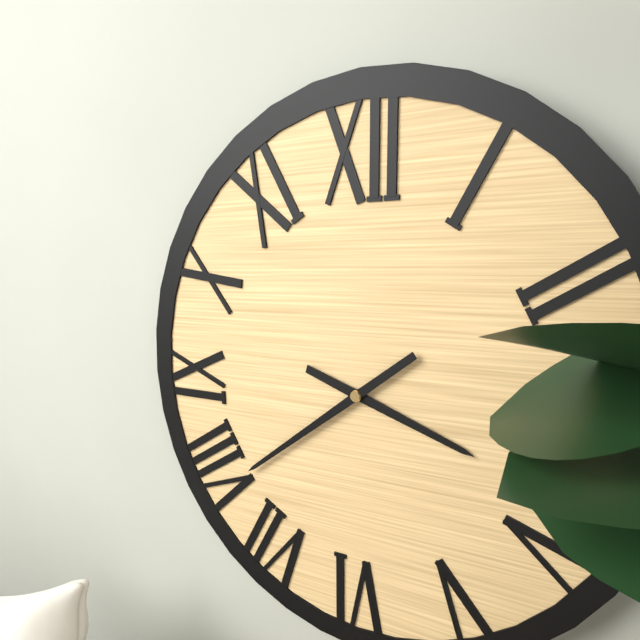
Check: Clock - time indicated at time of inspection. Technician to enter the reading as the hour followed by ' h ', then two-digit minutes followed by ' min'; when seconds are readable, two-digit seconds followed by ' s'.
3 h 39 min
